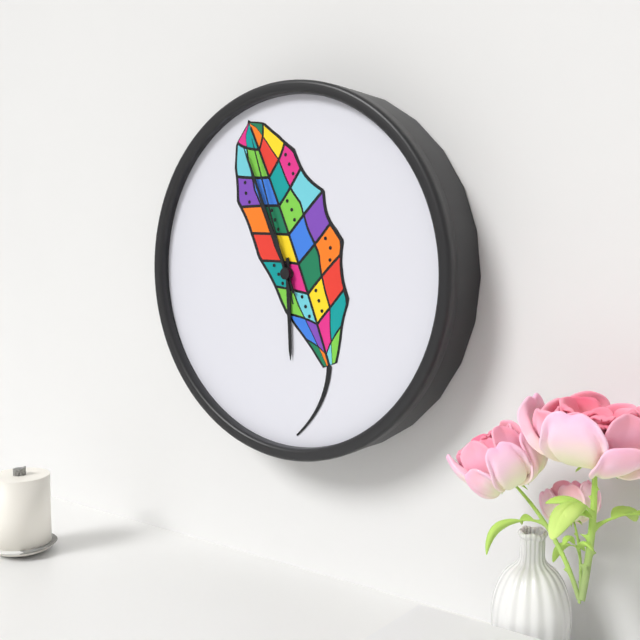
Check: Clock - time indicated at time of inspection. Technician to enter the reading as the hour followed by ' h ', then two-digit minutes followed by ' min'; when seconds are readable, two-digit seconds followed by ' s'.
5 h 56 min 57 s
